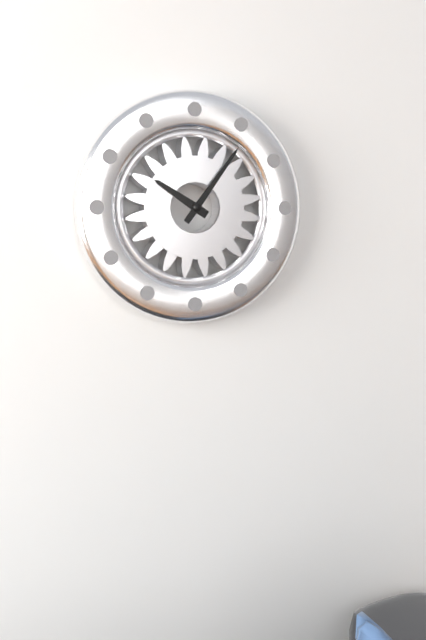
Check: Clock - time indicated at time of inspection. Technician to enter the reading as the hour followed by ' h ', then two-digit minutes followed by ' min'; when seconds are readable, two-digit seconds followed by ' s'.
10 h 06 min
